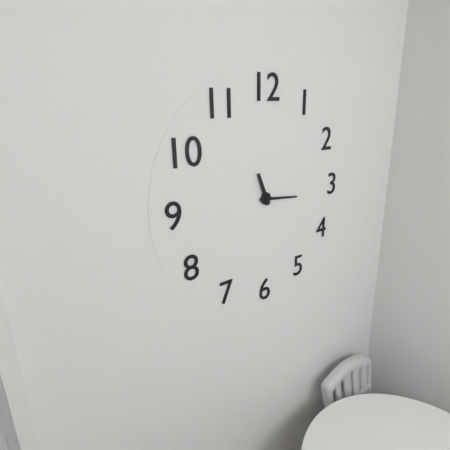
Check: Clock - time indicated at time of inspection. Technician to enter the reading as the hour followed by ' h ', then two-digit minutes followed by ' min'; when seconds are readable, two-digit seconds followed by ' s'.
11 h 16 min
